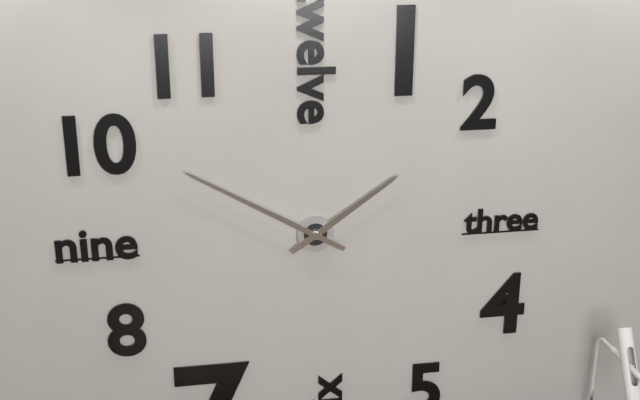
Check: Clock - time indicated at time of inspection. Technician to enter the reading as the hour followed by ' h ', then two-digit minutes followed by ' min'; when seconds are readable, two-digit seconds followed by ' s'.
1 h 50 min
